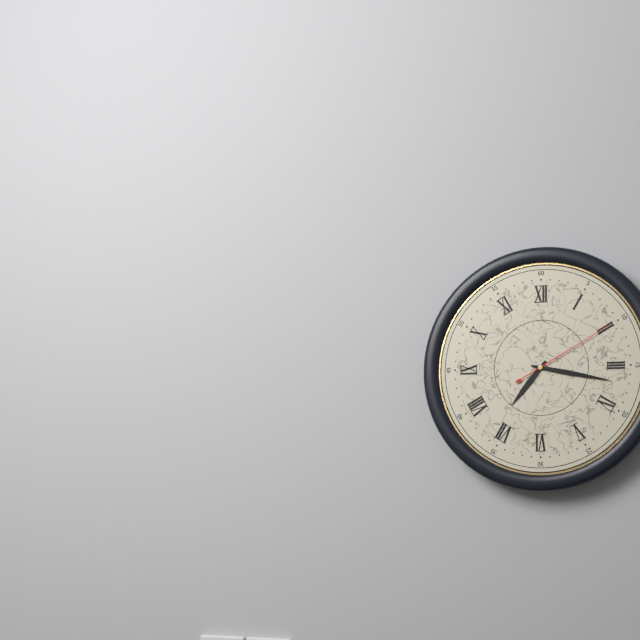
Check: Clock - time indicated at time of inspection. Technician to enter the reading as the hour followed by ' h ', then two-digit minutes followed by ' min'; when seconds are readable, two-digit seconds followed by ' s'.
7 h 17 min 10 s
